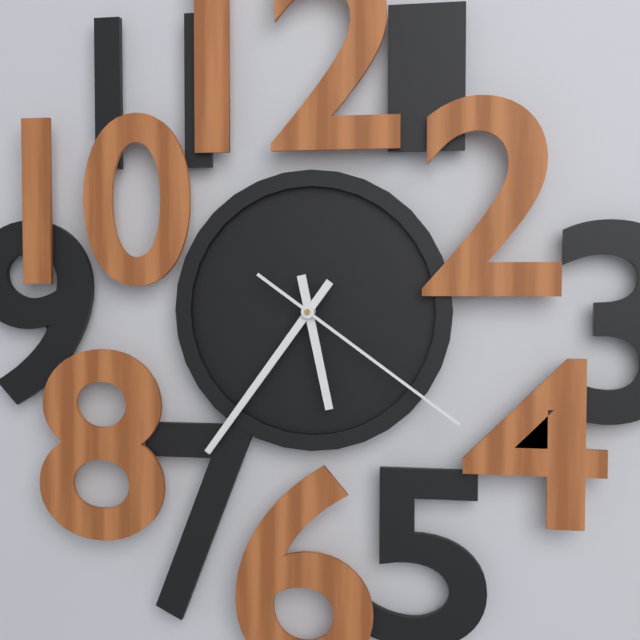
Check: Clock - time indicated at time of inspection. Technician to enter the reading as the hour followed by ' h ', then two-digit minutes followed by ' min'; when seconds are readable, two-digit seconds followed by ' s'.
5 h 36 min 21 s
